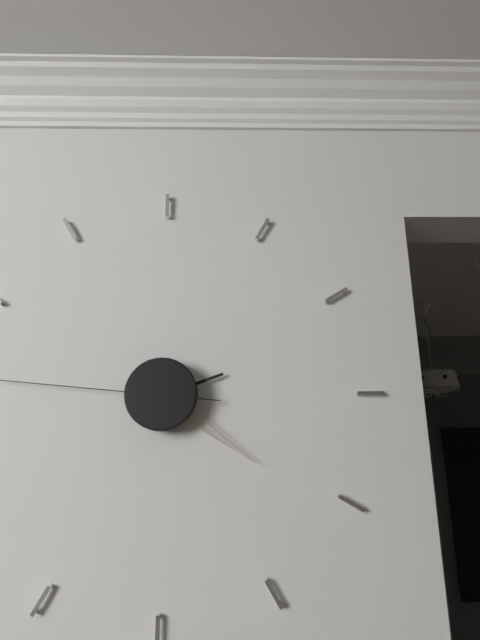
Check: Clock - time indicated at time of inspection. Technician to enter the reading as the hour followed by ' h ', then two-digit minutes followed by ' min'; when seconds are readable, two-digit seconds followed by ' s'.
2 h 21 min
